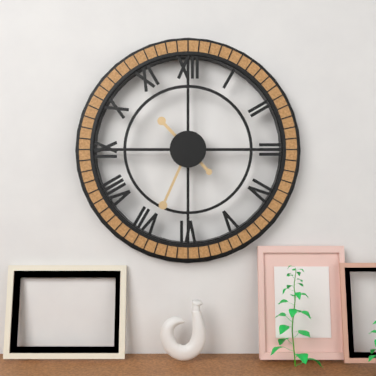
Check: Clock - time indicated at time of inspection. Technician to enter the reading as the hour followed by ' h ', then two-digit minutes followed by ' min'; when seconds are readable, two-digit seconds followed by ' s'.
10 h 34 min
